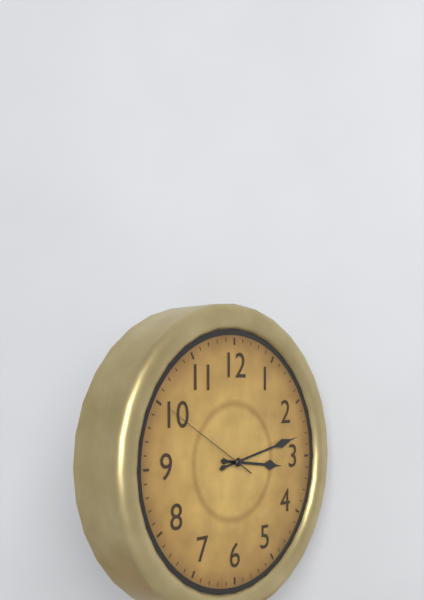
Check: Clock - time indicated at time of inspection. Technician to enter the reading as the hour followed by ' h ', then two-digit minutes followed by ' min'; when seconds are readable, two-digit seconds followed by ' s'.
3 h 13 min 50 s
